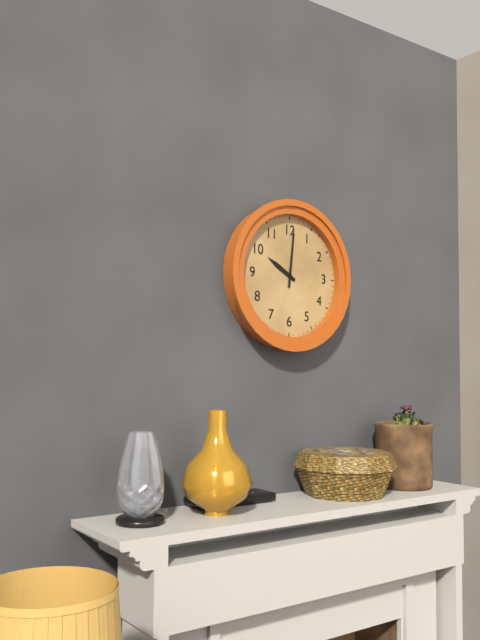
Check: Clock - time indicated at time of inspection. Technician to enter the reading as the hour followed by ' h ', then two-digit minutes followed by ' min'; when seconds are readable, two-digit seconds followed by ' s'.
10 h 01 min
